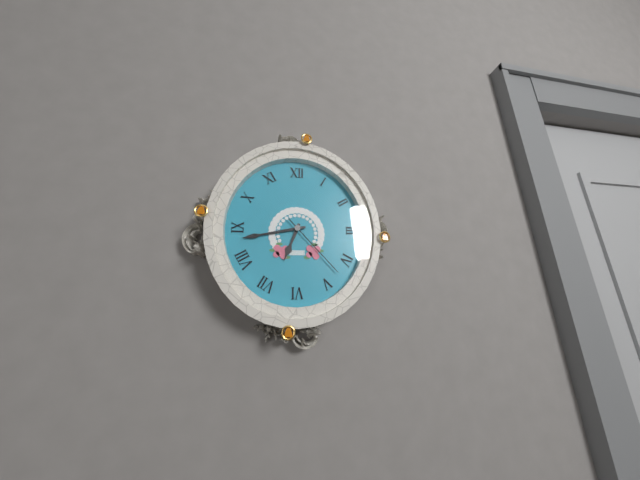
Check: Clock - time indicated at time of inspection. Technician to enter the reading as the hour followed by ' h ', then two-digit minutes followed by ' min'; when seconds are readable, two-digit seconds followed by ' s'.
6 h 43 min 23 s
